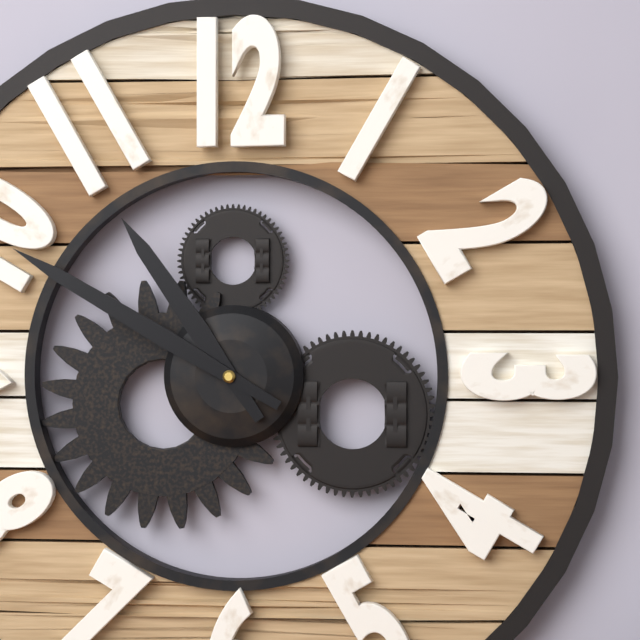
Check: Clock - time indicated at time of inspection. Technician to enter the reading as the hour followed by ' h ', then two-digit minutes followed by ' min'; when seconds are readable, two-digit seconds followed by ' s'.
10 h 50 min
